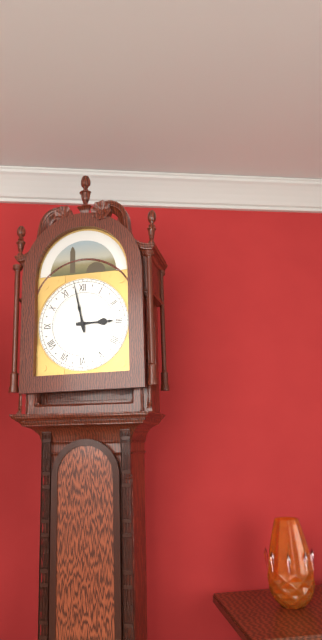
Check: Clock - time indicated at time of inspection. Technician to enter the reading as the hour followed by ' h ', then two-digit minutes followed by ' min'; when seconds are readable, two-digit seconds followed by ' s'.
2 h 58 min
